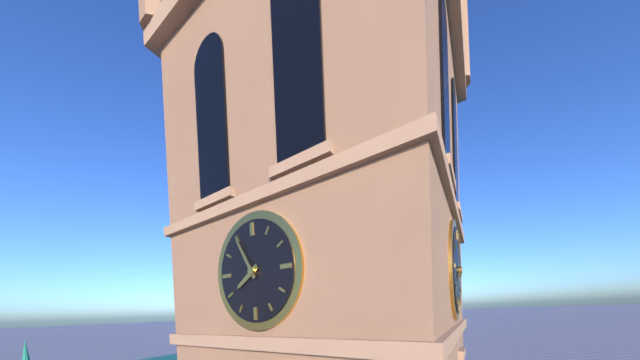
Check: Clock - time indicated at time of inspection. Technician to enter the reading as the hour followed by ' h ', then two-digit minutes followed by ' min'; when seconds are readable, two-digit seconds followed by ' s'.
7 h 55 min
